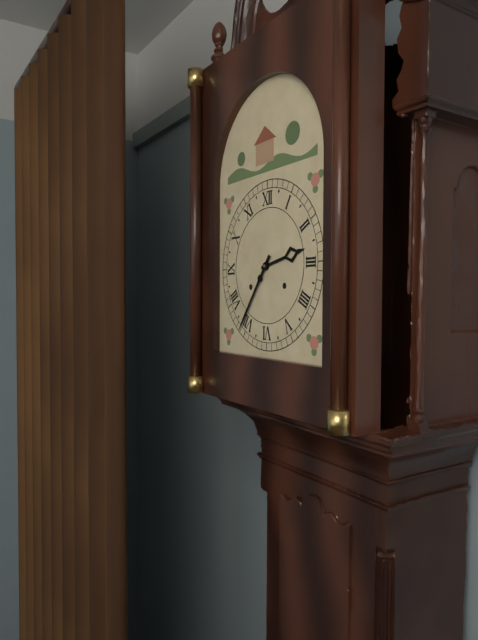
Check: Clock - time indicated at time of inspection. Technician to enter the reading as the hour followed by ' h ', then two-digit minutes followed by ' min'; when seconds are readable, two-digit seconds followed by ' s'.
2 h 36 min
